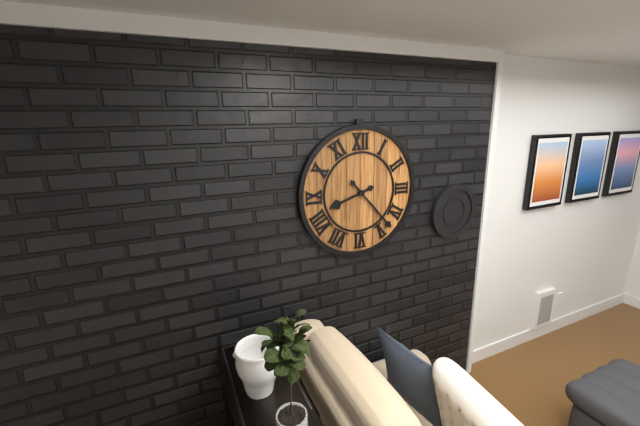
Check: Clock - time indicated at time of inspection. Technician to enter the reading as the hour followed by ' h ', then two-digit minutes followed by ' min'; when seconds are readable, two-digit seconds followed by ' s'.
8 h 23 min
